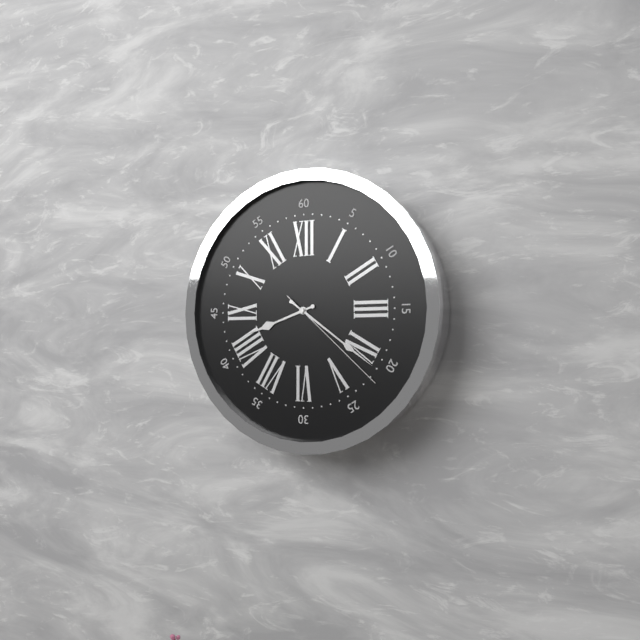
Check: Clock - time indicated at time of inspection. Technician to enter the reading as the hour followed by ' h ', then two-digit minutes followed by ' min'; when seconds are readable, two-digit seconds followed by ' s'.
8 h 21 min 22 s
